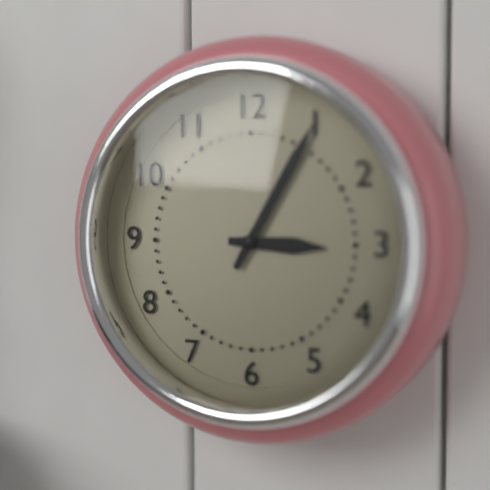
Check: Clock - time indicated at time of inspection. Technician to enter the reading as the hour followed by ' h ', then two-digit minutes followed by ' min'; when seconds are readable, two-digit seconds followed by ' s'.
3 h 05 min
